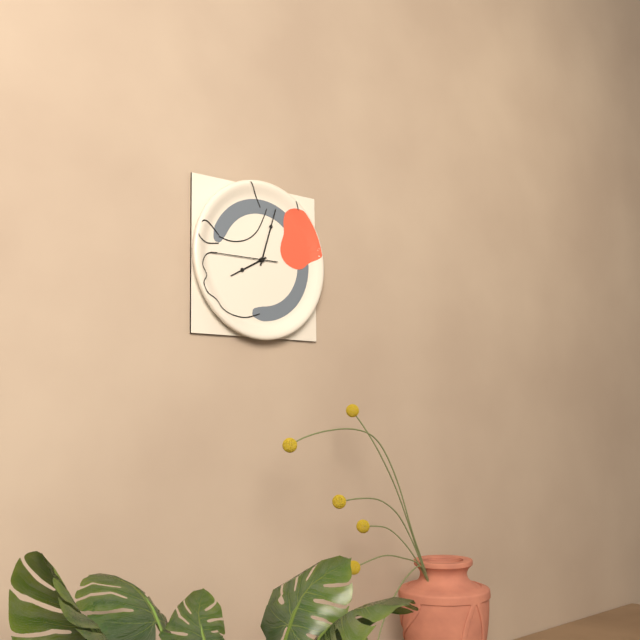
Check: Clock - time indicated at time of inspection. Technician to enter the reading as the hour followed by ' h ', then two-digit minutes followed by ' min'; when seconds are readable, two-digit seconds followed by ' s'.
8 h 03 min 45 s
